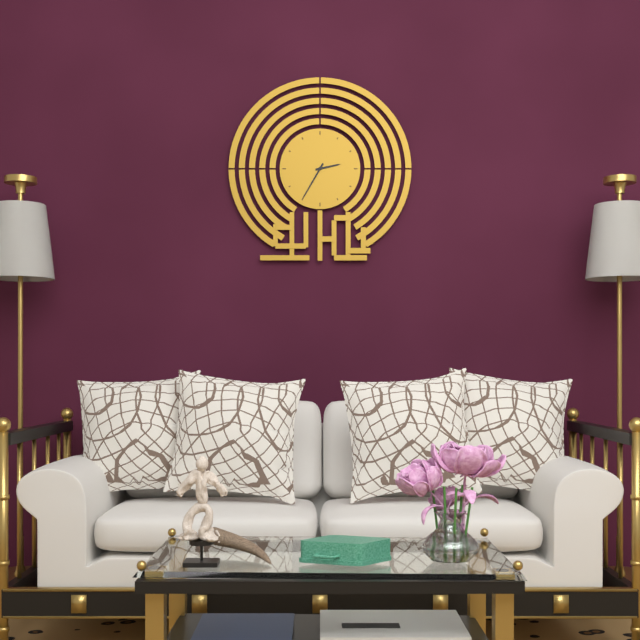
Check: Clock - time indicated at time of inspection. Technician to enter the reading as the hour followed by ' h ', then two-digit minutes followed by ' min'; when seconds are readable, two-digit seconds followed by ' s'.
2 h 35 min
